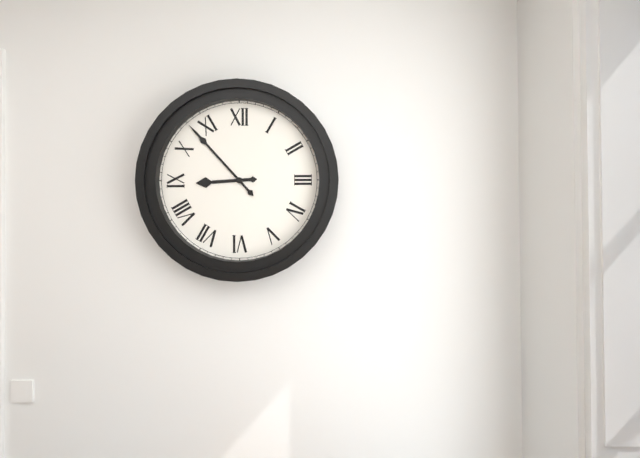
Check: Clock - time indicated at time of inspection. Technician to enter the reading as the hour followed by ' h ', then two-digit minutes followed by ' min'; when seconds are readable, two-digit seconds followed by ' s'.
8 h 53 min
